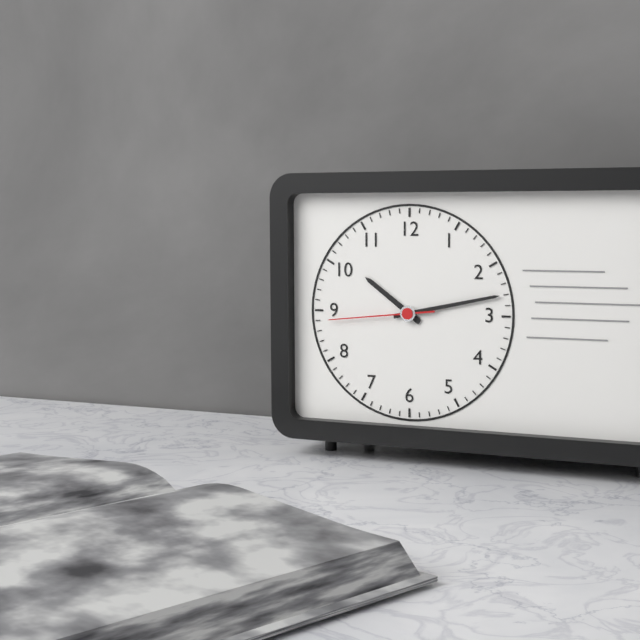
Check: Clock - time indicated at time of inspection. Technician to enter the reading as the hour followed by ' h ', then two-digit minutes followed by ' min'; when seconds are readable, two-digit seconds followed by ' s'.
10 h 13 min 44 s
